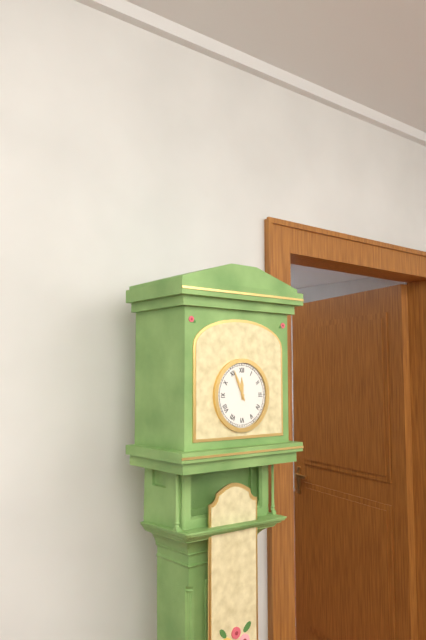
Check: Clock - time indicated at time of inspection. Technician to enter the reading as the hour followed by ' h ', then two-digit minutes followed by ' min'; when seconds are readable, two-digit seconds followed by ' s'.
11 h 56 min
